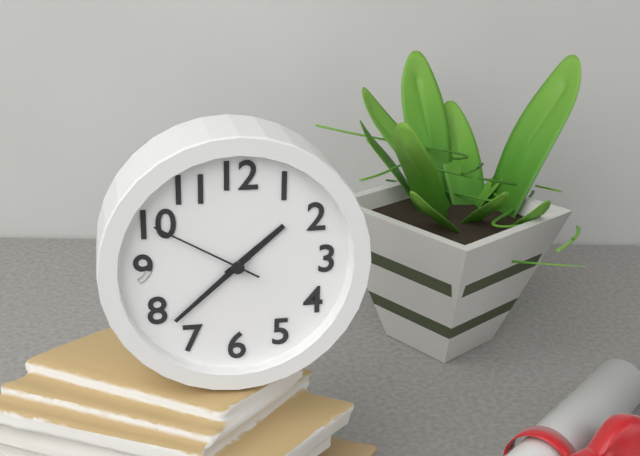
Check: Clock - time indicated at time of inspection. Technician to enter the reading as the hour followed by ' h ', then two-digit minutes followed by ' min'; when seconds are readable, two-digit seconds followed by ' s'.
1 h 38 min 50 s
